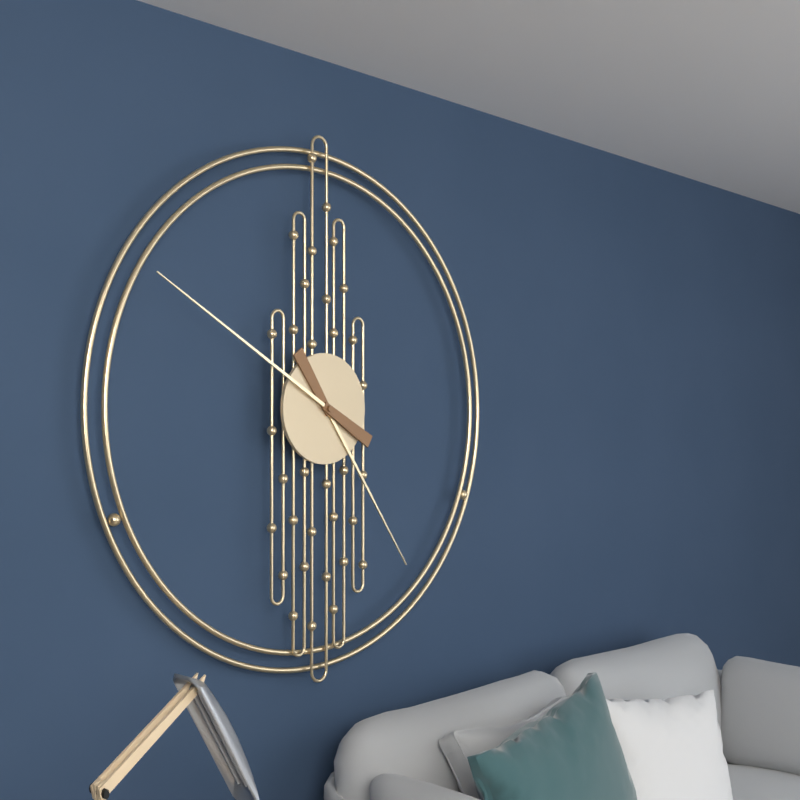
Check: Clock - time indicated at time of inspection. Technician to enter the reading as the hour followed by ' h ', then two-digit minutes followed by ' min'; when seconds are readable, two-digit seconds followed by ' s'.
4 h 50 min
